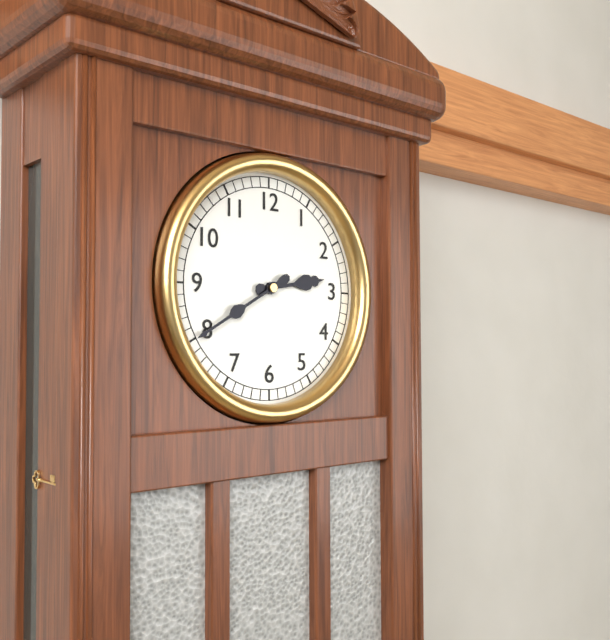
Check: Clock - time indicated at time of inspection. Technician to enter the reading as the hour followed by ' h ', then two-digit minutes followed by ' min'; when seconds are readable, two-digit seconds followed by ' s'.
2 h 40 min
